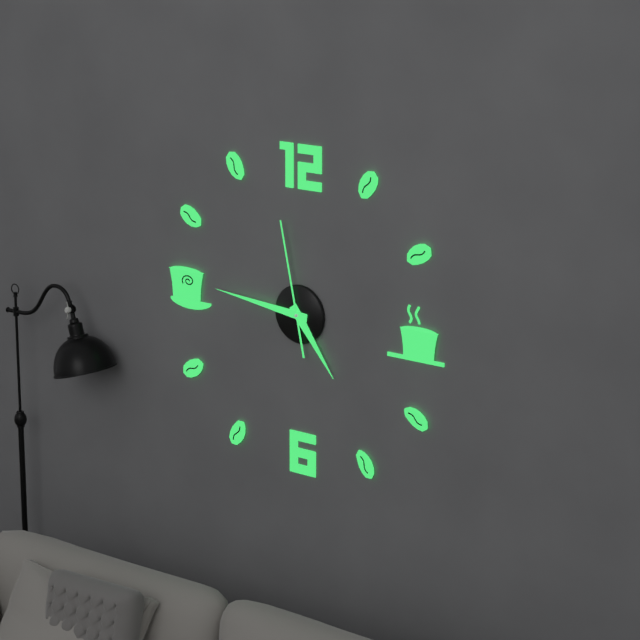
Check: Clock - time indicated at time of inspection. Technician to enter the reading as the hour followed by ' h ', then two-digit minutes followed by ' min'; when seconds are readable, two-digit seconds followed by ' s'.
4 h 46 min 58 s
